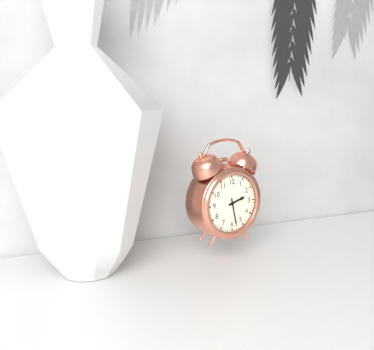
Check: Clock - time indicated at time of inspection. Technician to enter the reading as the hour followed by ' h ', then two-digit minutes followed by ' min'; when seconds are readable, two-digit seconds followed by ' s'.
2 h 28 min
